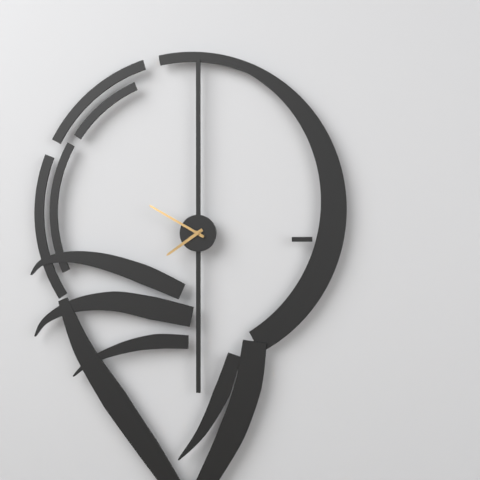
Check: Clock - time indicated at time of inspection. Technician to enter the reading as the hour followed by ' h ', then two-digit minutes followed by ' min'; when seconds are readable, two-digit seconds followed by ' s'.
7 h 50 min
